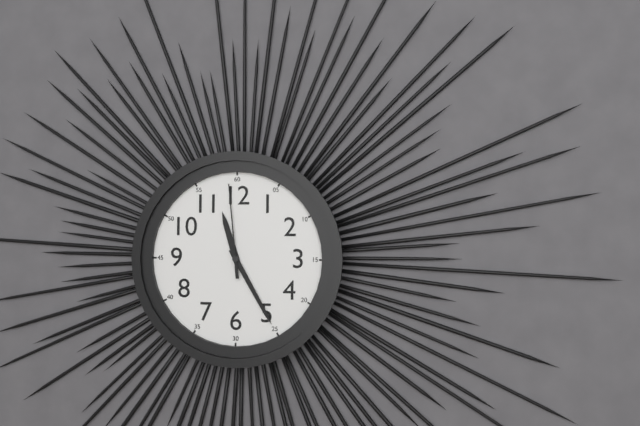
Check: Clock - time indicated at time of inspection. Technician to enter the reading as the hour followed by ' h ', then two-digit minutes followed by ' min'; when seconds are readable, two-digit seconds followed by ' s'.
11 h 25 min 59 s
